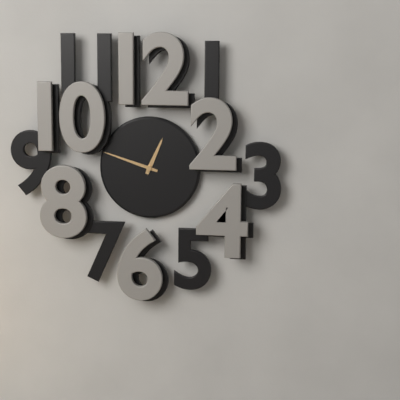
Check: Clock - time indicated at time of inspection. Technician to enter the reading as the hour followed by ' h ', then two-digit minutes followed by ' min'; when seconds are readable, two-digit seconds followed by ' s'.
12 h 48 min
